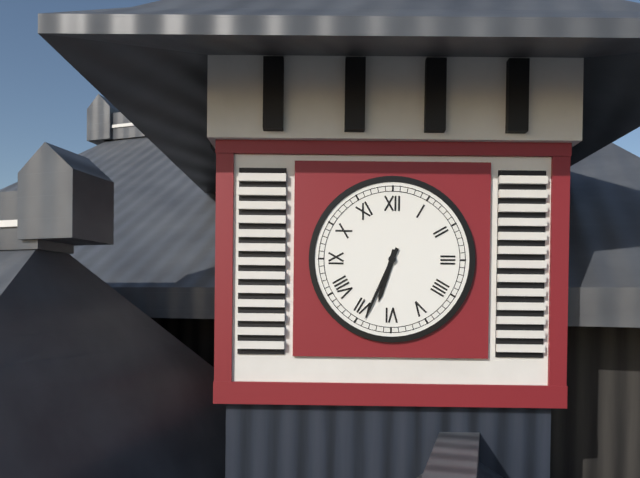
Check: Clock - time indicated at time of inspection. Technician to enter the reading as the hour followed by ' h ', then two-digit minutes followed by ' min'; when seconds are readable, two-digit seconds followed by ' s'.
6 h 34 min
